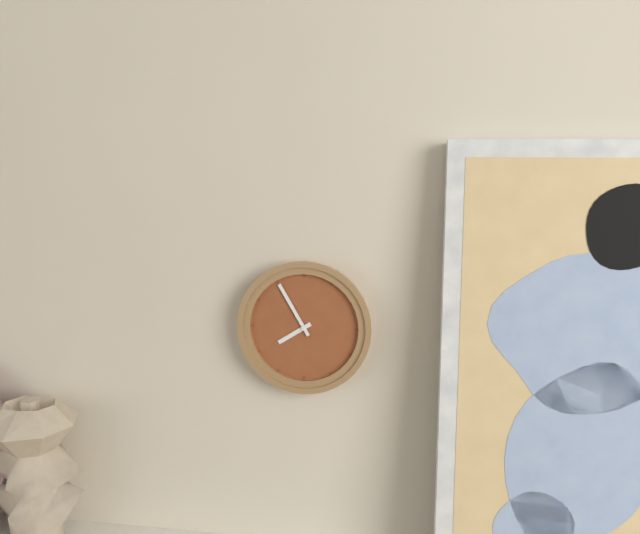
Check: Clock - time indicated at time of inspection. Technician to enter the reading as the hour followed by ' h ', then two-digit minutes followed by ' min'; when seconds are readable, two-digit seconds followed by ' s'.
7 h 55 min
